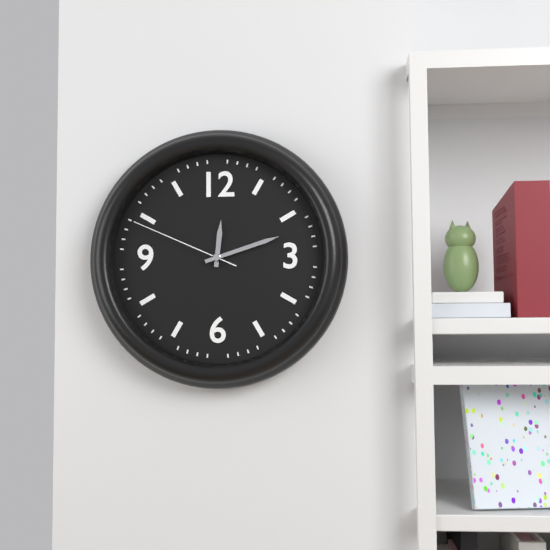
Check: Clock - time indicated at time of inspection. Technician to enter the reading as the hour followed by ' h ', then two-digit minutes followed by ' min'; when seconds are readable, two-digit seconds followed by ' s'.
12 h 12 min 49 s
